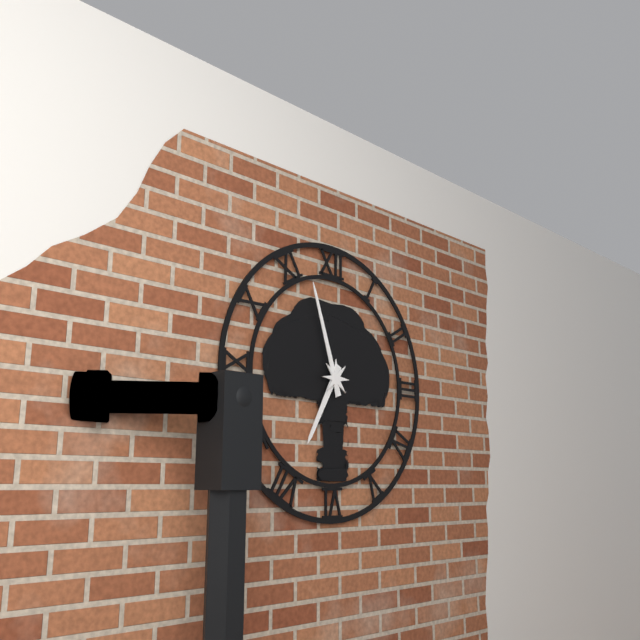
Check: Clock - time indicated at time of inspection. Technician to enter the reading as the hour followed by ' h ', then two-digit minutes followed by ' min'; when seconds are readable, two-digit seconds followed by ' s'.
6 h 57 min
